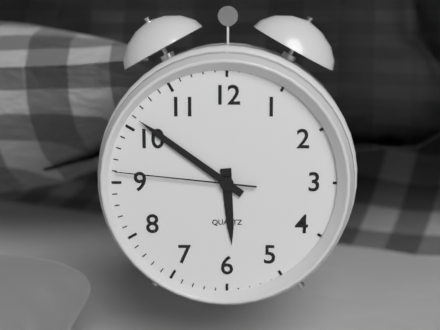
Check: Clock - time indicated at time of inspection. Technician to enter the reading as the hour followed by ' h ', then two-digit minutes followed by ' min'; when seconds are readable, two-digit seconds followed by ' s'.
5 h 51 min 46 s
